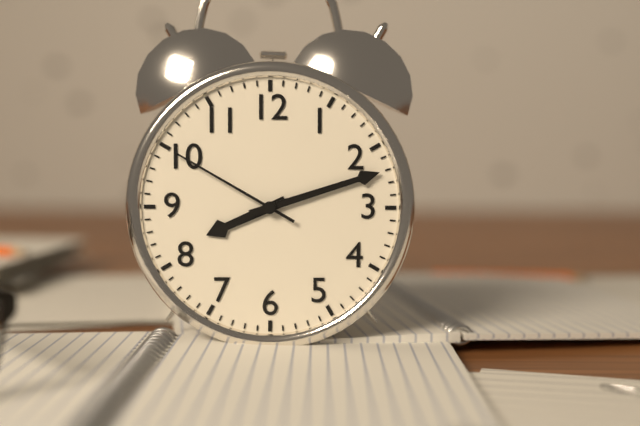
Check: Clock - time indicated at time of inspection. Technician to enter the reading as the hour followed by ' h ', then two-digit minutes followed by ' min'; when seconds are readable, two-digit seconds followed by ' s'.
8 h 12 min 50 s
